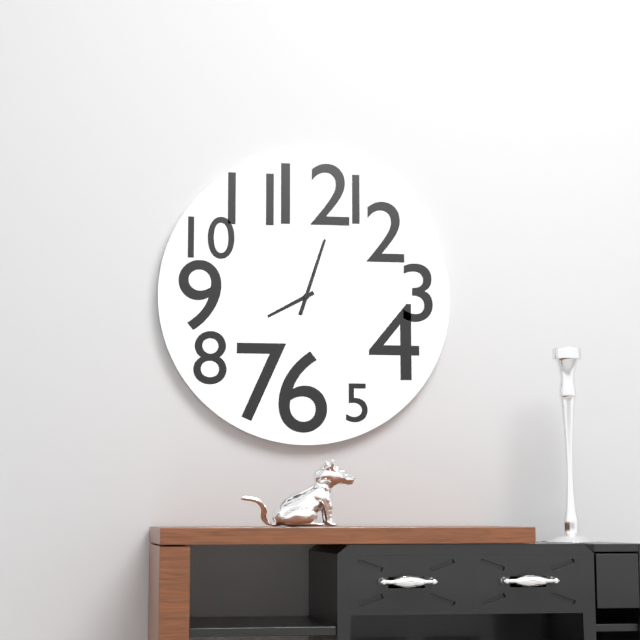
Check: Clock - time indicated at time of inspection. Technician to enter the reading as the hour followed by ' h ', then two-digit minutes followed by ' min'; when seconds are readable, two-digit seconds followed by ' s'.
8 h 03 min
